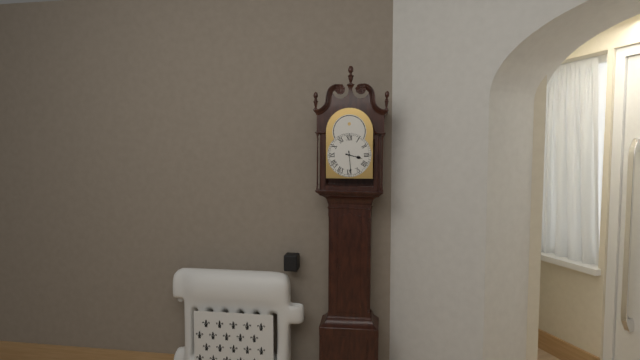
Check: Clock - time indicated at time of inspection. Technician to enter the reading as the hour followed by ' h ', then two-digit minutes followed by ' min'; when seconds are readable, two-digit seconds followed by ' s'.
3 h 29 min
